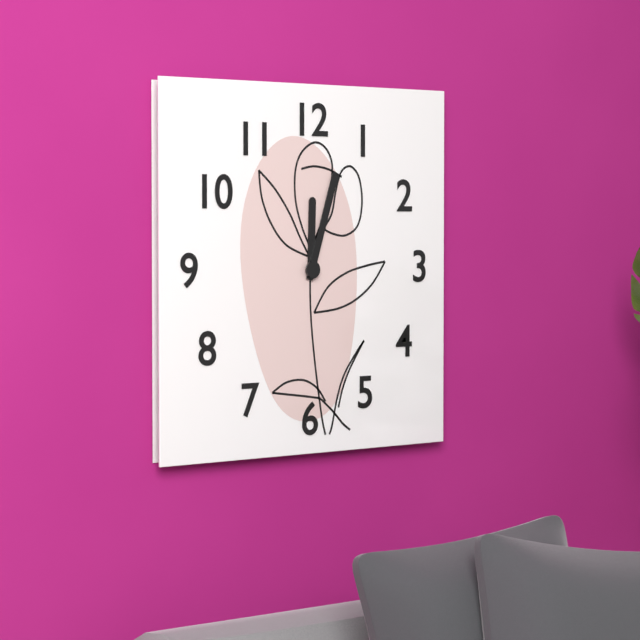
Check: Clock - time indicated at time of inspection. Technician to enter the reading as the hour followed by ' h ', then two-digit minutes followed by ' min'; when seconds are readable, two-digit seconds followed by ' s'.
12 h 03 min
